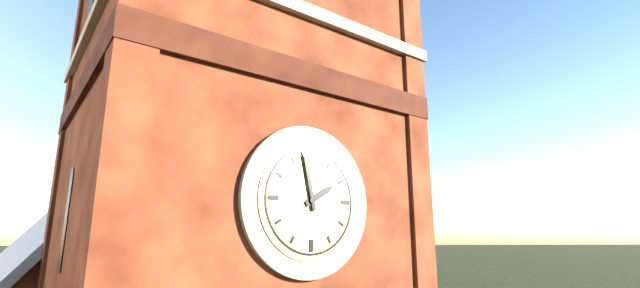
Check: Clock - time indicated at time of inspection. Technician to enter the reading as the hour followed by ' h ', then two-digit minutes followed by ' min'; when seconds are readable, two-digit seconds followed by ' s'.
1 h 58 min
